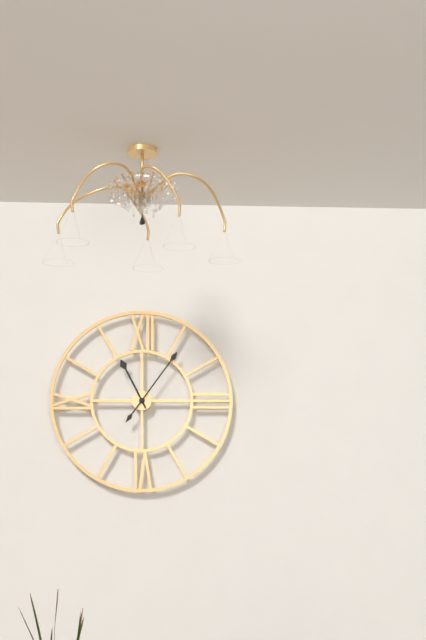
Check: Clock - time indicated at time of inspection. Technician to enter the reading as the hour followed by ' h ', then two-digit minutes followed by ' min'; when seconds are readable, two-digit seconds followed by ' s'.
11 h 06 min
